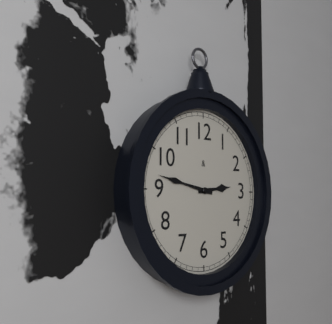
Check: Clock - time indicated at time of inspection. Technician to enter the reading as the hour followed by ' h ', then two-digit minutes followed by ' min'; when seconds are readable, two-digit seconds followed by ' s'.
2 h 47 min
